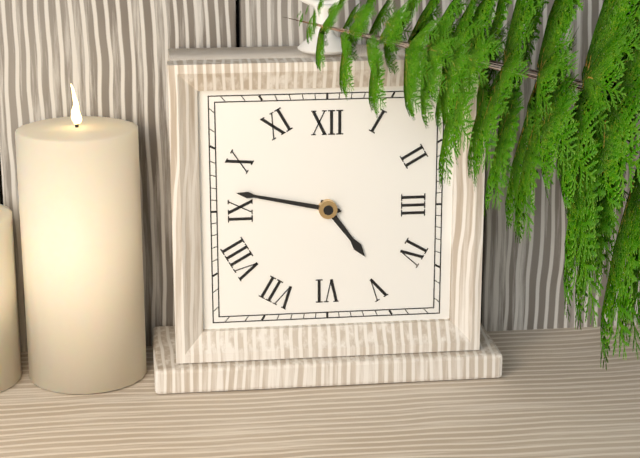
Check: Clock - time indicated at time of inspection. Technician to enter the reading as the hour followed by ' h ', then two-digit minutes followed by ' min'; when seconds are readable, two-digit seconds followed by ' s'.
4 h 47 min
